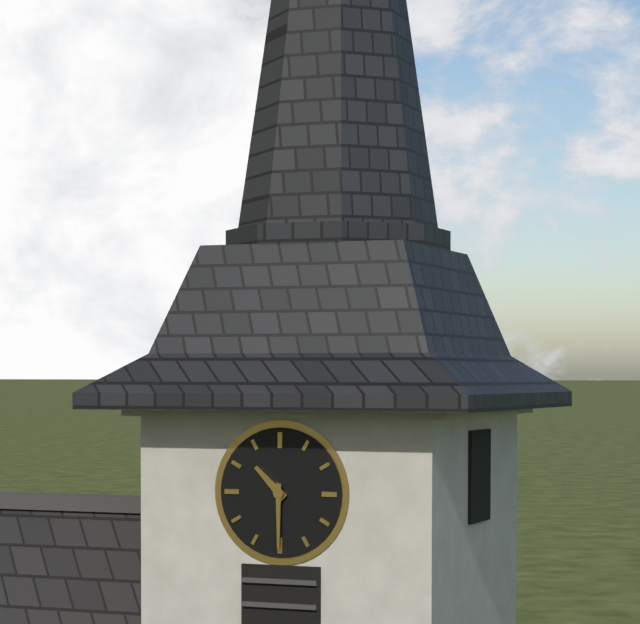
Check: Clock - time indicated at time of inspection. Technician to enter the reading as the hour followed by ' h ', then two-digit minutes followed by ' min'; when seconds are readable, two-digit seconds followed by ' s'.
10 h 30 min
